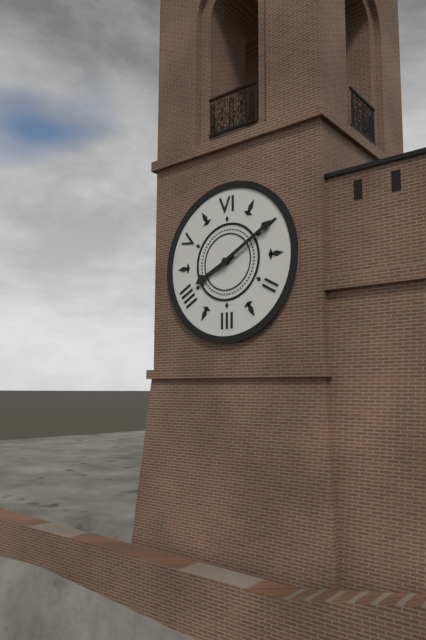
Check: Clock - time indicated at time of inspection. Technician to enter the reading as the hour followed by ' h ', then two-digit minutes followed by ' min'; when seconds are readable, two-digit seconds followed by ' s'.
8 h 10 min
